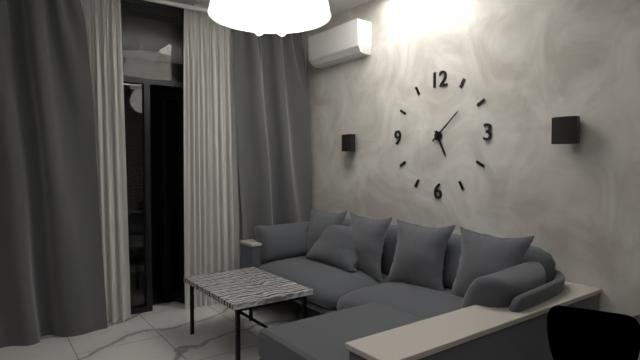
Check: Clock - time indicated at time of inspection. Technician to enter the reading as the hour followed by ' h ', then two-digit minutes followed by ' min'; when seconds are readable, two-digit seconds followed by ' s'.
5 h 08 min
